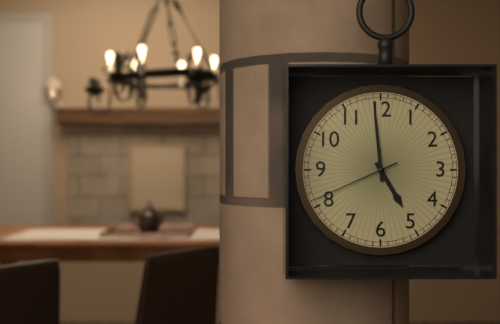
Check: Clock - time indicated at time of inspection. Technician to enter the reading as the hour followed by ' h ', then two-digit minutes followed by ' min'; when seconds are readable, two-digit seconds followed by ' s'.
4 h 59 min 41 s
